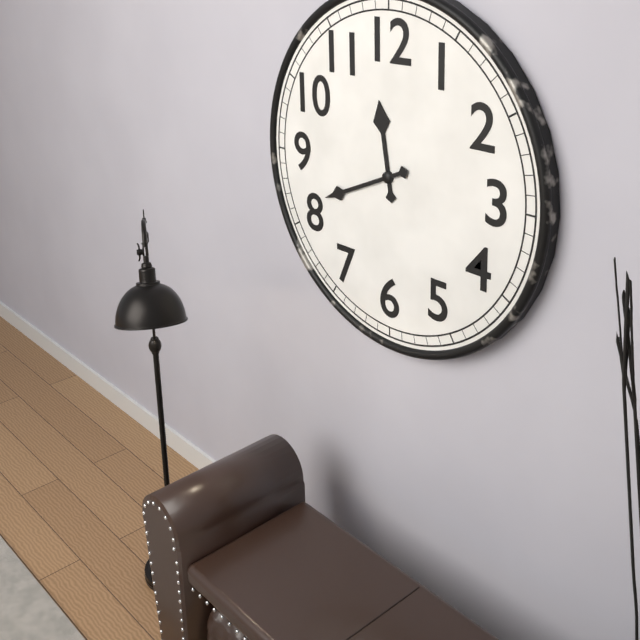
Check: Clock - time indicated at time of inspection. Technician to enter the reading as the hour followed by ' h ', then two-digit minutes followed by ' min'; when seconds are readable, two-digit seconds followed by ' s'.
11 h 41 min
